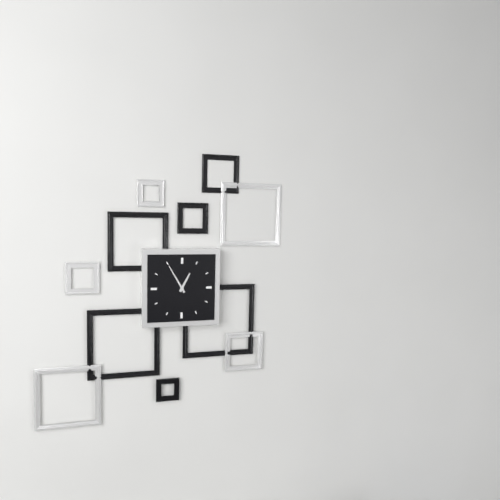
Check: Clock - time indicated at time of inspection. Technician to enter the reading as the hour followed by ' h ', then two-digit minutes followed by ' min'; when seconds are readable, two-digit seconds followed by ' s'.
12 h 55 min
